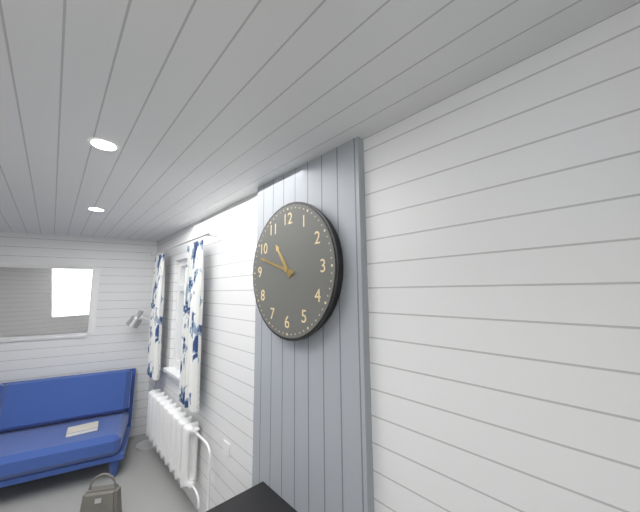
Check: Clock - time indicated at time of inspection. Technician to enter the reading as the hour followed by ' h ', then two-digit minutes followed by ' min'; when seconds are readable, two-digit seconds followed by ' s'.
10 h 48 min
